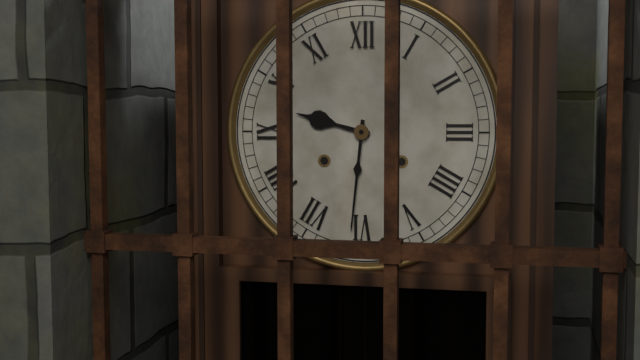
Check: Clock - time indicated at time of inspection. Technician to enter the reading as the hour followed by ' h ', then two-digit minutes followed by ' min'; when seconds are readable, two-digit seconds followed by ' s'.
9 h 31 min
